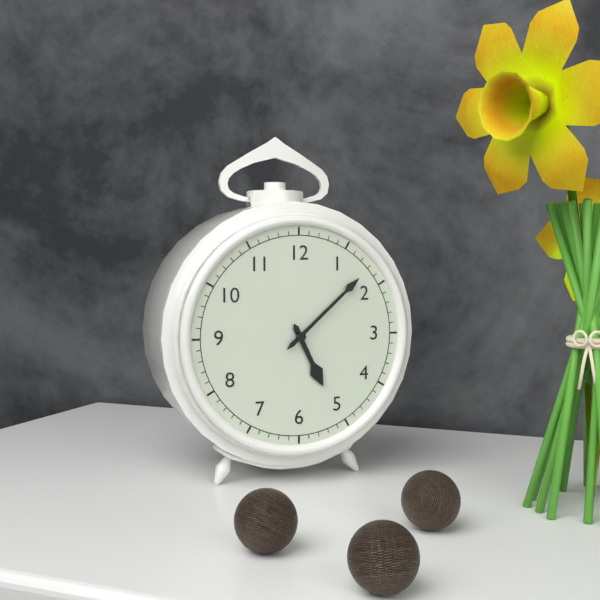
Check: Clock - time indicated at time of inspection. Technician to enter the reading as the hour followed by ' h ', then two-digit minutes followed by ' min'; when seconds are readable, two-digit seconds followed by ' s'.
5 h 08 min
